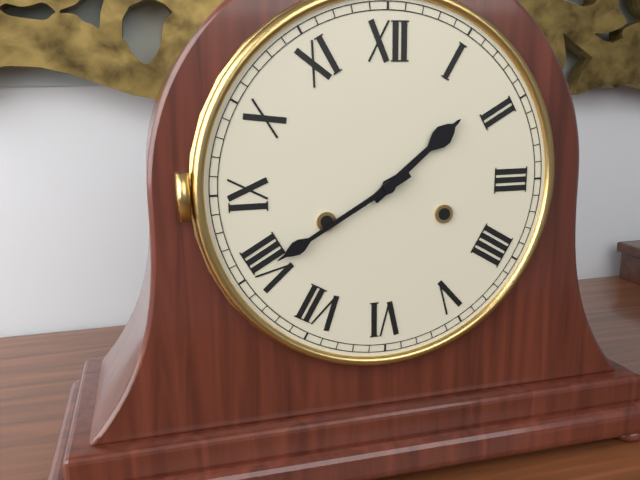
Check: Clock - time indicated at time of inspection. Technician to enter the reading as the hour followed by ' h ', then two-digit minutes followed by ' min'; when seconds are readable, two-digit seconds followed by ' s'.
1 h 40 min
